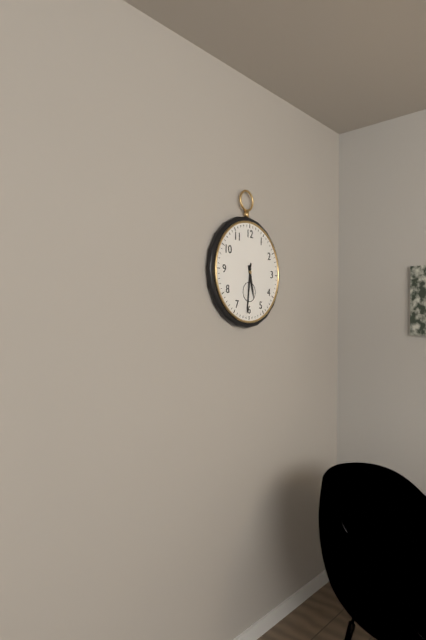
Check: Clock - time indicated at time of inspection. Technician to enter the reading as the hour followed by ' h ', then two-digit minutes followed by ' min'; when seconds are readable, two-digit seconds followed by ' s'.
5 h 31 min
